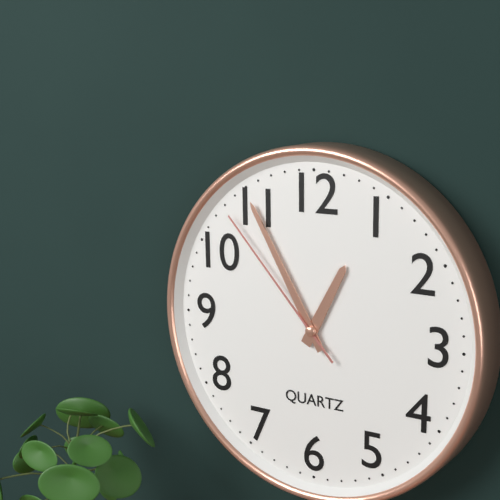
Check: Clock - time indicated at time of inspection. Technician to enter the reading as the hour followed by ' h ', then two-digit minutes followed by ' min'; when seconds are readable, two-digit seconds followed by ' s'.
12 h 55 min 53 s
